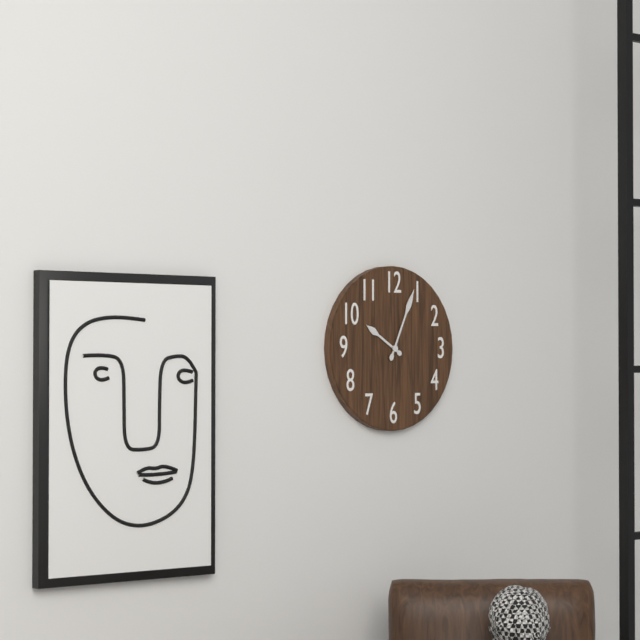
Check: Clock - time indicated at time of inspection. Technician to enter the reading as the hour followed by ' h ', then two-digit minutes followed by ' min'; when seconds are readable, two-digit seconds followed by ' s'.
10 h 04 min
